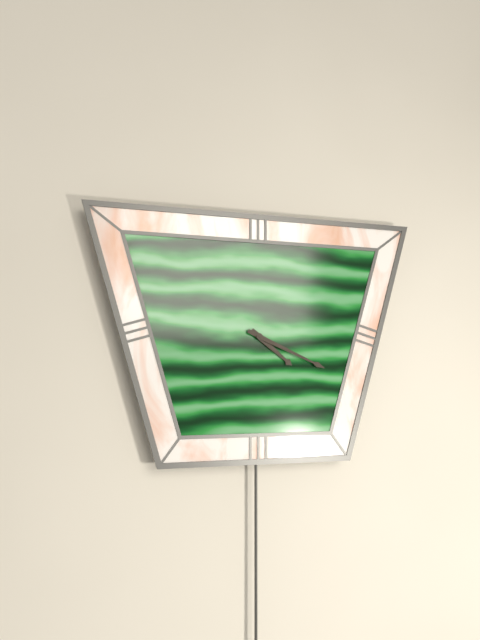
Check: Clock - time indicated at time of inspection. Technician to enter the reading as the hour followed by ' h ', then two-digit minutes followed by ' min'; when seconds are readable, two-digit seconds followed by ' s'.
4 h 19 min
